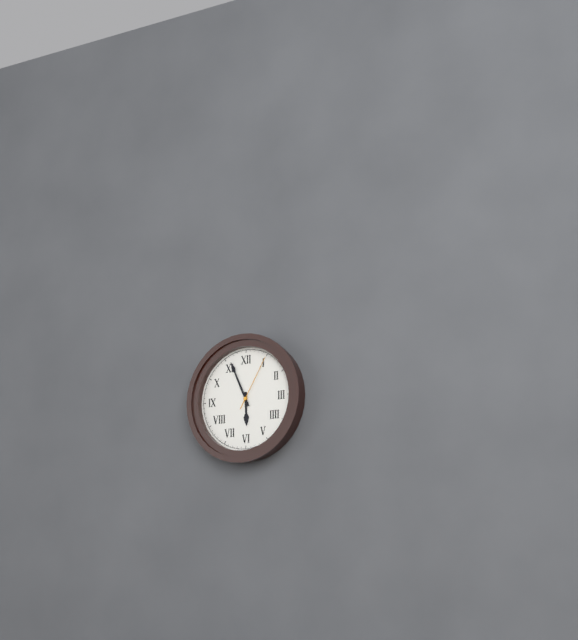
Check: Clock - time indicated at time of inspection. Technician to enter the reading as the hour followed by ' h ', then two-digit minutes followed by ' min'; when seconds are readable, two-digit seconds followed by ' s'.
5 h 56 min 05 s
